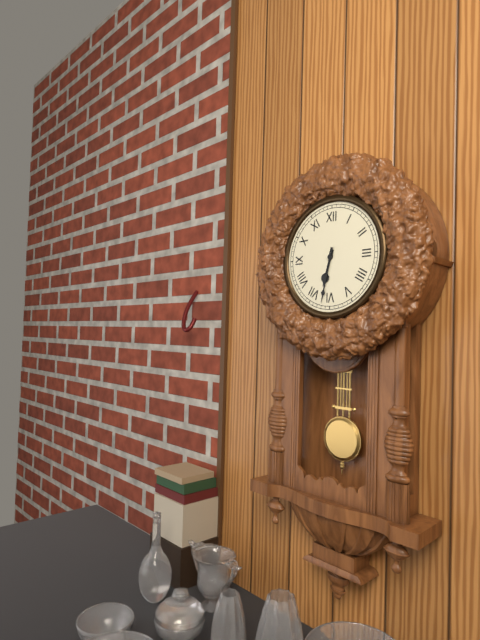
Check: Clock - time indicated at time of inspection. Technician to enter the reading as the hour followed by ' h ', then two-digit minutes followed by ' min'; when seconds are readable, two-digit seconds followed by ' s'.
6 h 32 min
